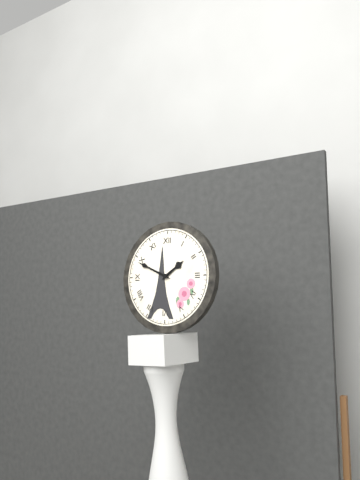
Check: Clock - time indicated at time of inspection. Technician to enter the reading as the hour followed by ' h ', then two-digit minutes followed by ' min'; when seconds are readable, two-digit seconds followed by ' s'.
1 h 49 min
